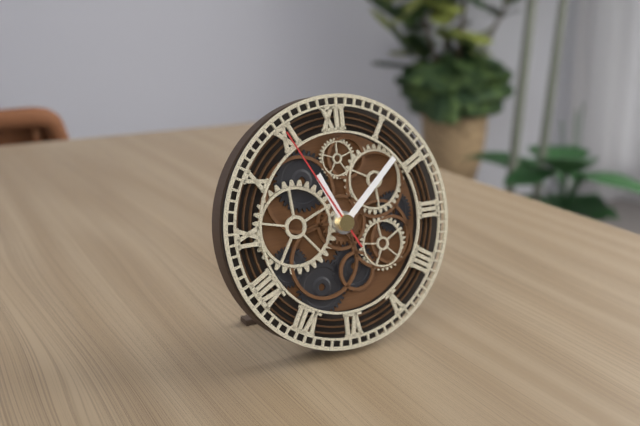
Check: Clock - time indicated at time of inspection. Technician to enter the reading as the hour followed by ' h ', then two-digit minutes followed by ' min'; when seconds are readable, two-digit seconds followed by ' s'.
11 h 08 min 55 s
